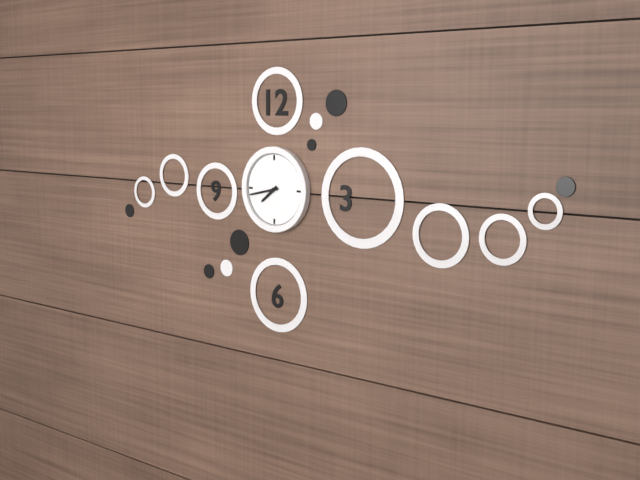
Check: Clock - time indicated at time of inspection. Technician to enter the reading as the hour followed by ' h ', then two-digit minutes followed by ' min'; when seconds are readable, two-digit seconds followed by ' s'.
7 h 43 min
